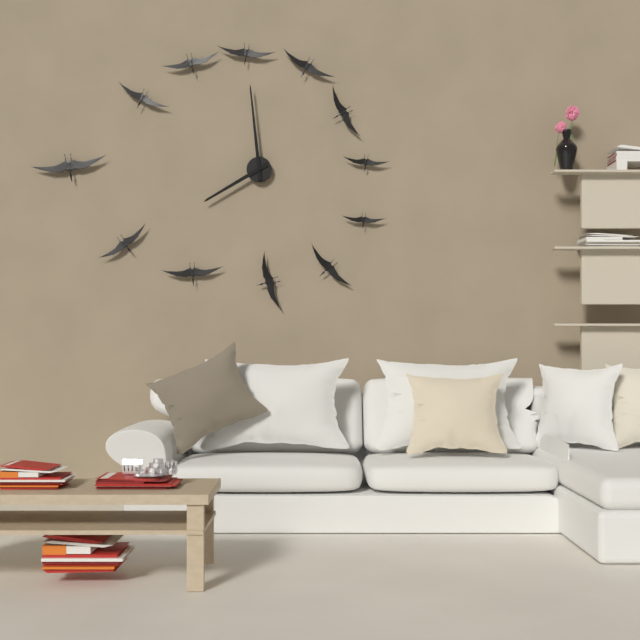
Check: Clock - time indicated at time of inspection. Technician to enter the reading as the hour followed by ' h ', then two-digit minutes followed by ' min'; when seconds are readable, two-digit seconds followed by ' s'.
7 h 59 min
